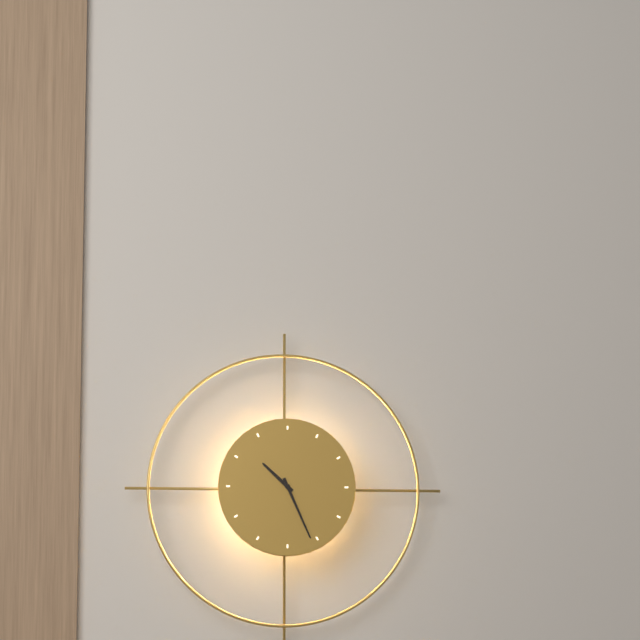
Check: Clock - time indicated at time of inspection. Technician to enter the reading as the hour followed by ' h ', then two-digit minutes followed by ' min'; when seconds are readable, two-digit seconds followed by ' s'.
10 h 26 min
